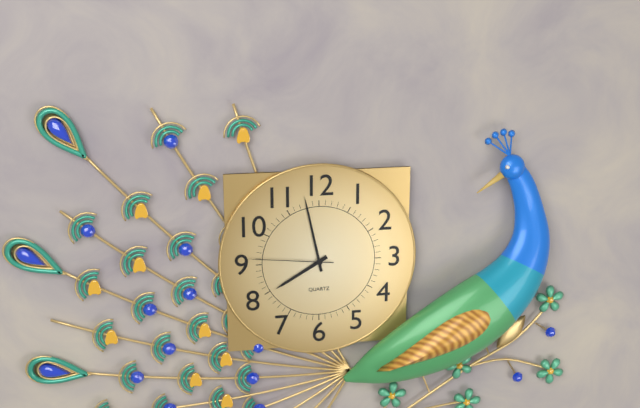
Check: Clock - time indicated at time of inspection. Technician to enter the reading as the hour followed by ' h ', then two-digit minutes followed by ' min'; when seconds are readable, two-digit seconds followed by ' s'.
7 h 58 min 46 s
